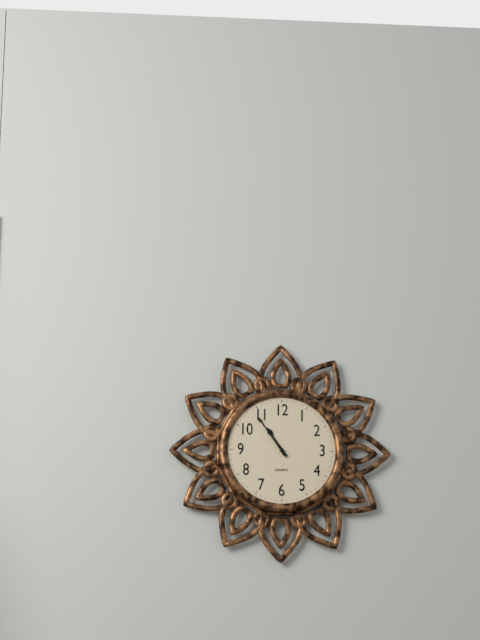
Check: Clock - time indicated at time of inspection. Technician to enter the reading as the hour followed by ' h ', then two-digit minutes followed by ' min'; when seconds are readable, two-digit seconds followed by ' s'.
10 h 54 min
